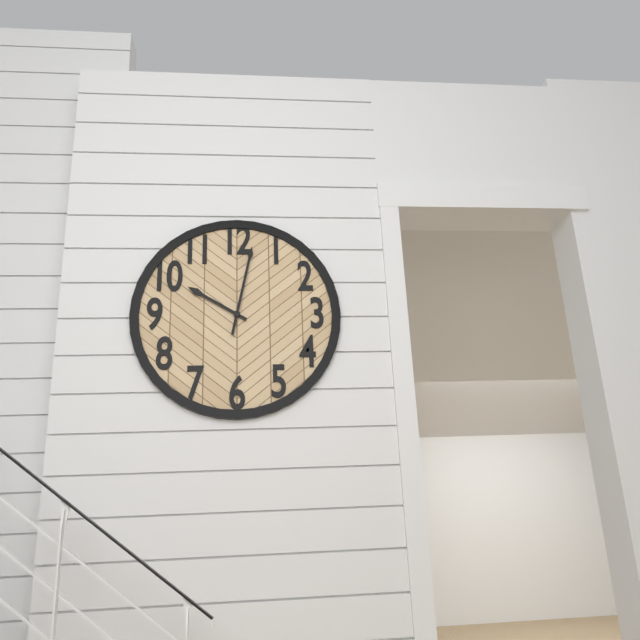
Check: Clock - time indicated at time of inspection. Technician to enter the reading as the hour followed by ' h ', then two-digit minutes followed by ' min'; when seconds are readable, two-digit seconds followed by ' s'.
10 h 02 min
